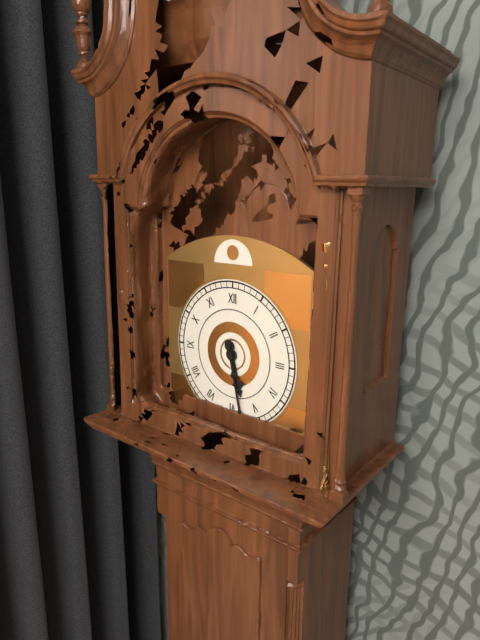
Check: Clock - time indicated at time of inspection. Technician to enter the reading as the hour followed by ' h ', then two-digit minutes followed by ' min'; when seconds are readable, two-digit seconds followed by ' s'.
5 h 28 min
